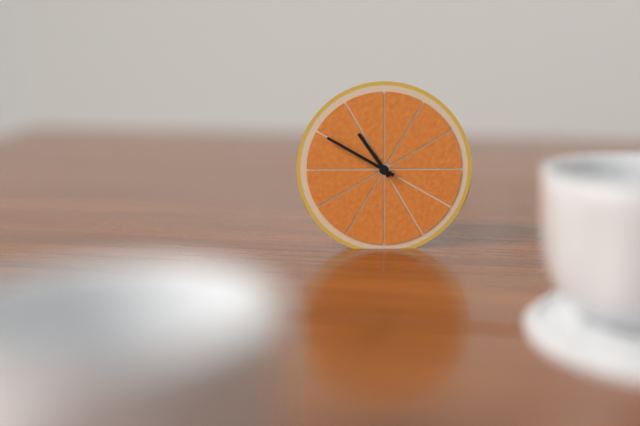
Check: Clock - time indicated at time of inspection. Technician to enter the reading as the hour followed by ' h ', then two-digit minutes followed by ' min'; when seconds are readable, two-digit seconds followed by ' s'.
10 h 50 min
